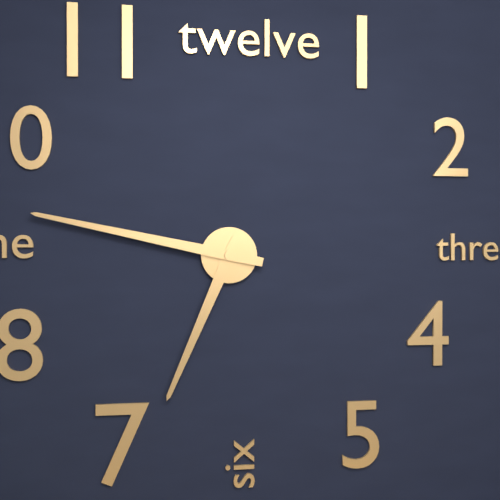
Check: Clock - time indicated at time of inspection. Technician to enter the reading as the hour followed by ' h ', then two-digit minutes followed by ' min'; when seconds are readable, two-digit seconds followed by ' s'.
6 h 47 min
